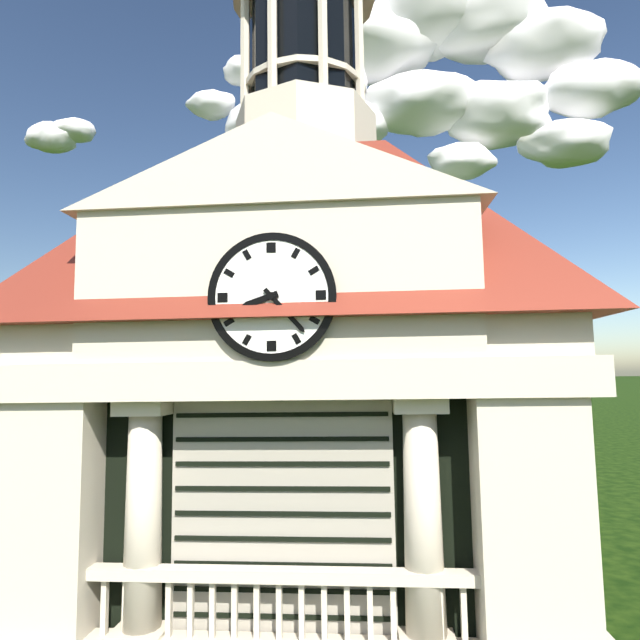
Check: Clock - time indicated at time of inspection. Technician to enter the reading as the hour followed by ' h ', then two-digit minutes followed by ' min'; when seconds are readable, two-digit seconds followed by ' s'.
8 h 23 min
